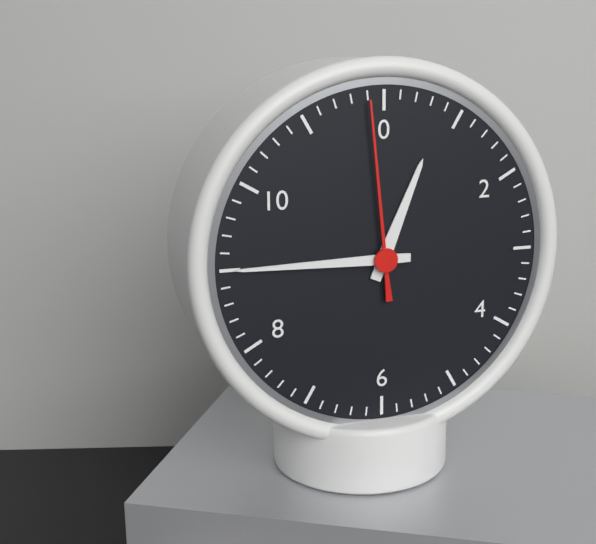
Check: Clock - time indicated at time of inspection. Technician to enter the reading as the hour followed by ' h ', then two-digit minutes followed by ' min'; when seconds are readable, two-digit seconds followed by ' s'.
12 h 45 min 59 s
